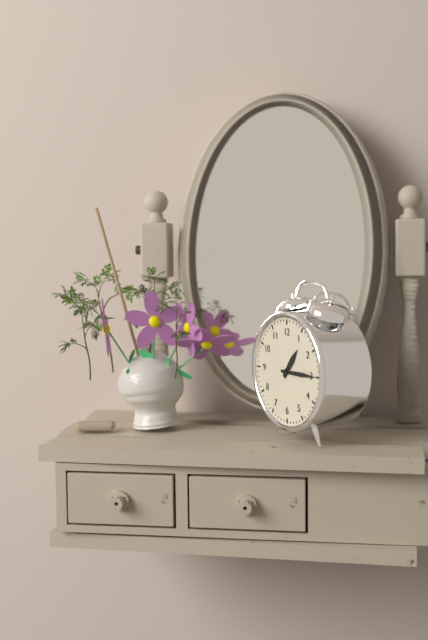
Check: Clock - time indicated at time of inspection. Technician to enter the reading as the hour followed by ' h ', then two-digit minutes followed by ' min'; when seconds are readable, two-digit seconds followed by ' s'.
1 h 15 min
